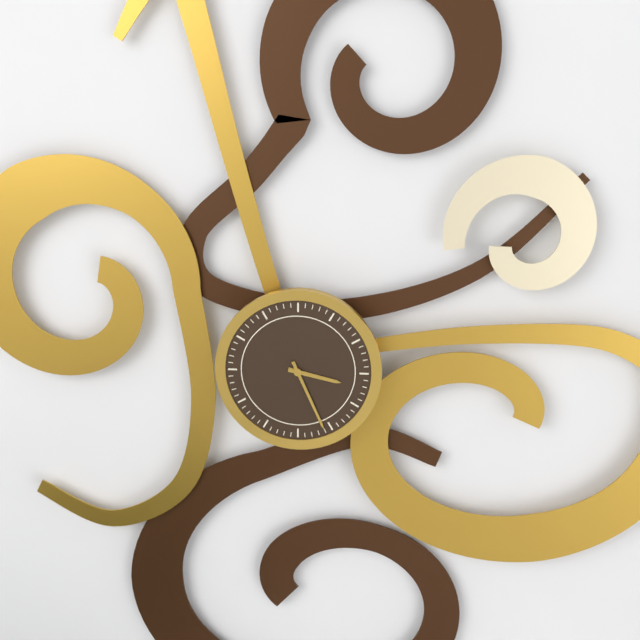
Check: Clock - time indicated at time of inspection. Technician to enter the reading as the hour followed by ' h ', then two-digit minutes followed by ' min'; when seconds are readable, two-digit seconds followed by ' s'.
3 h 26 min
